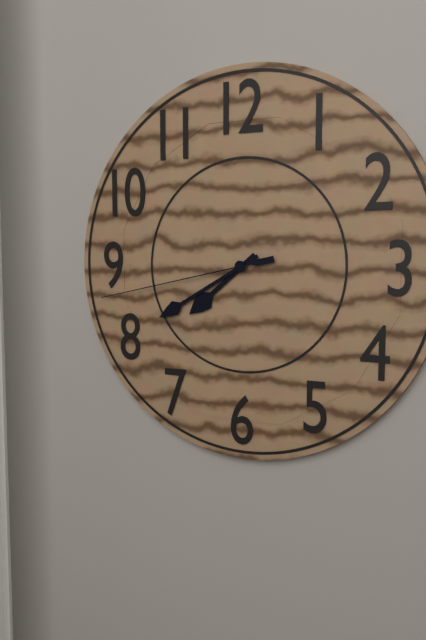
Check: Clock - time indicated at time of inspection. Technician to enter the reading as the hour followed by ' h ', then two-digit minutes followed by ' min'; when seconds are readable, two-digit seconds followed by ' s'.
7 h 40 min 43 s
